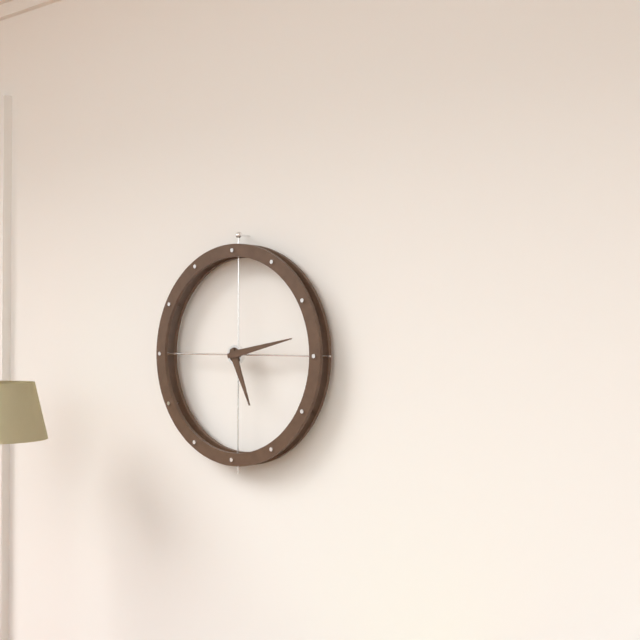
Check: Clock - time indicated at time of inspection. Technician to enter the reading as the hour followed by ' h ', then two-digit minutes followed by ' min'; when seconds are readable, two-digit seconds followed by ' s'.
5 h 13 min
